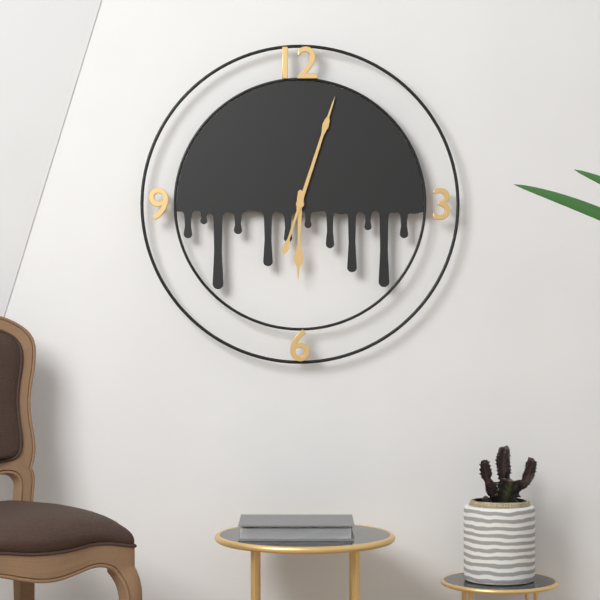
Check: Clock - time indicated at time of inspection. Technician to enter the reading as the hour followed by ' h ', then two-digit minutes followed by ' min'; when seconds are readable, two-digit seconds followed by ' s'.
6 h 03 min
